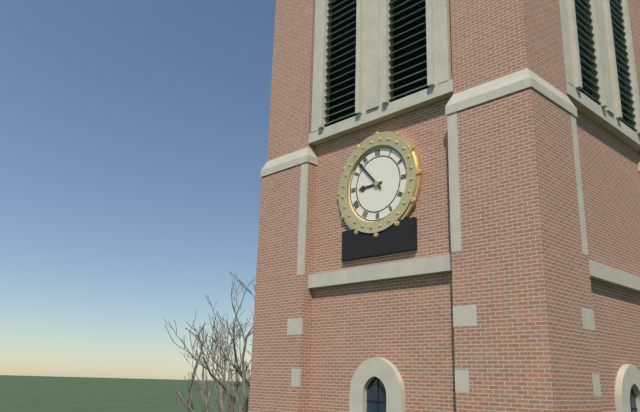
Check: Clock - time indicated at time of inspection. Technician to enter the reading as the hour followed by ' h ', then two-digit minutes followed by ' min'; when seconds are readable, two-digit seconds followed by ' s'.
8 h 53 min
